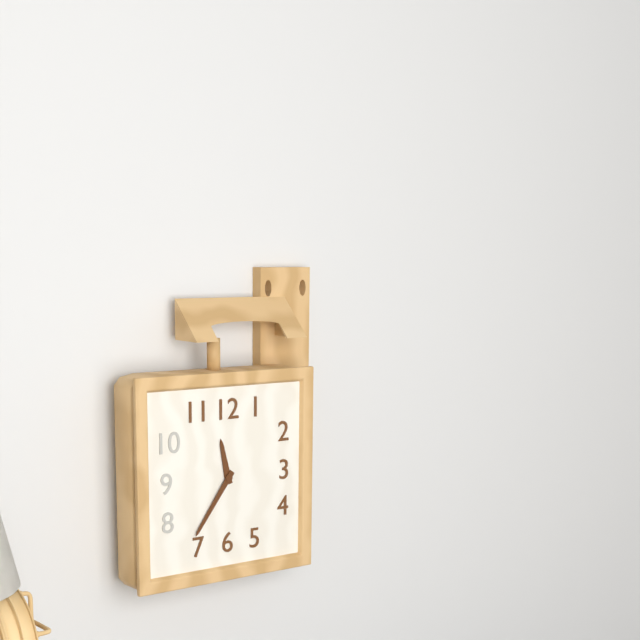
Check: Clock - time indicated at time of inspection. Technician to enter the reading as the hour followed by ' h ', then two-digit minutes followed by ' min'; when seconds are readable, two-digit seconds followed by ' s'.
11 h 36 min
